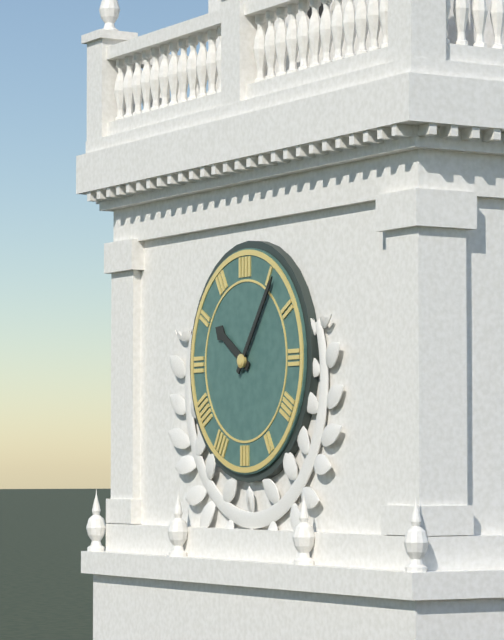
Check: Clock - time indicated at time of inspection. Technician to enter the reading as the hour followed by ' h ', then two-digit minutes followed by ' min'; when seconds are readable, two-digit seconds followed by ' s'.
10 h 06 min
